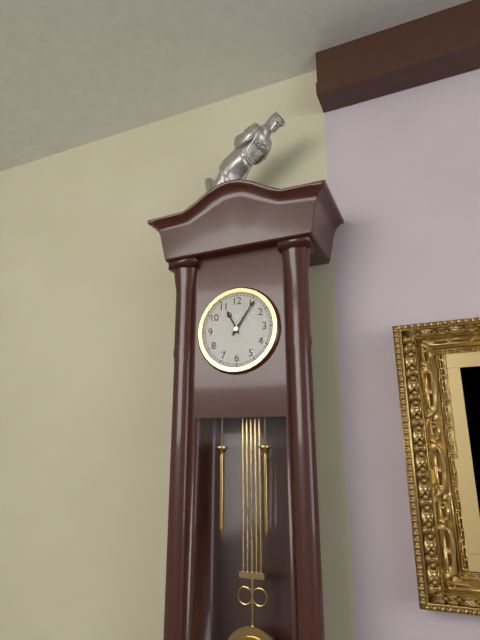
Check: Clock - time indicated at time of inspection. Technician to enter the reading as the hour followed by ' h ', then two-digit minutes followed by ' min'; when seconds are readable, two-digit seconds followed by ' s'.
11 h 06 min
